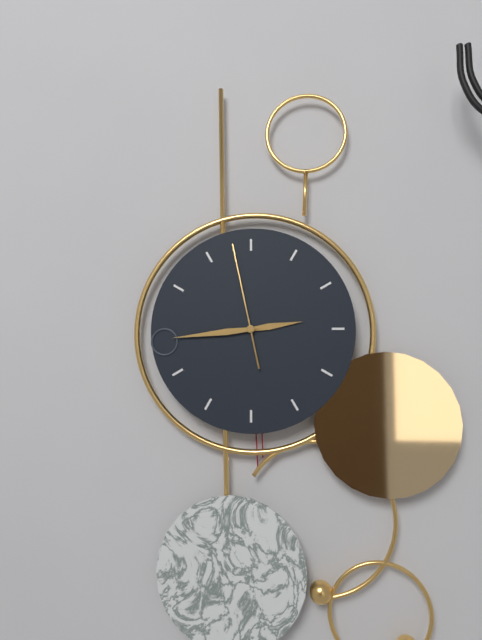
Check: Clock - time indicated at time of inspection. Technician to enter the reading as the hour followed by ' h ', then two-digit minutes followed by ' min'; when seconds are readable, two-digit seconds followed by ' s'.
2 h 44 min 58 s
